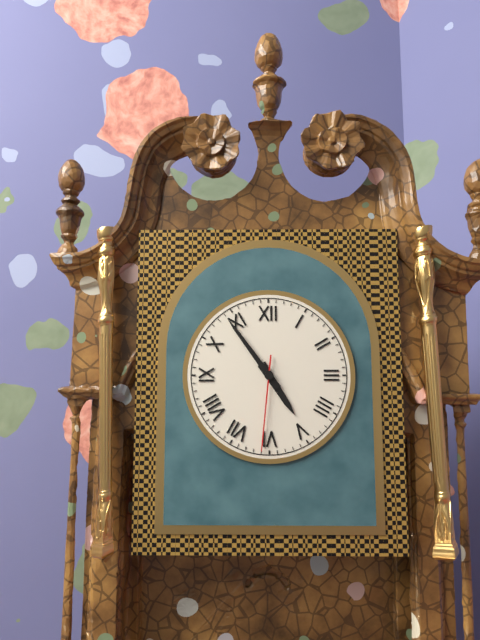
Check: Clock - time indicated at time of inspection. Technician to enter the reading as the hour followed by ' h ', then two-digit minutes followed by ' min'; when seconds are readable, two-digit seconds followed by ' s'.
4 h 54 min 31 s
